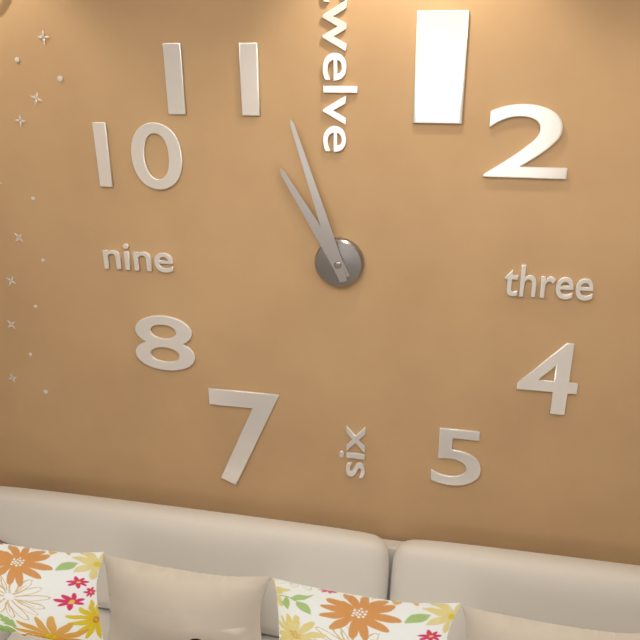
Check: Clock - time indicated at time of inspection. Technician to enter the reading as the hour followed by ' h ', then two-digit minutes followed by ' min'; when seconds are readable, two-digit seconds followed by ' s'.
10 h 57 min
